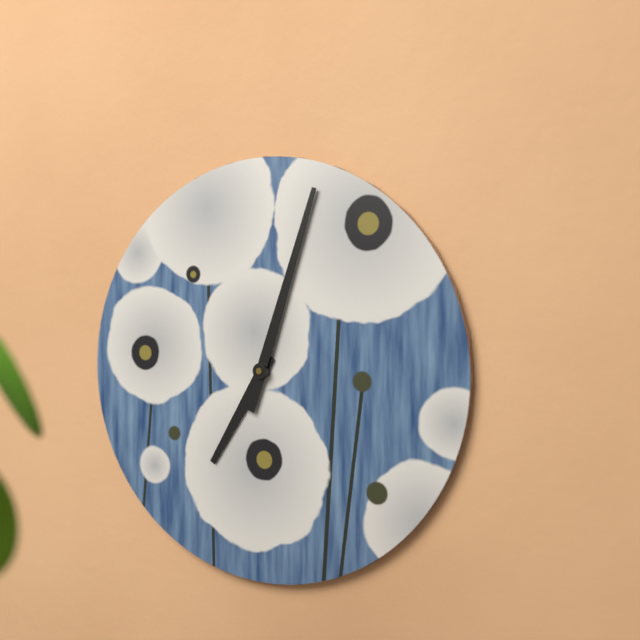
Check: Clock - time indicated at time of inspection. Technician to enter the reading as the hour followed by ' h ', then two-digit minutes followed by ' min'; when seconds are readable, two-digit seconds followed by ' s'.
7 h 03 min
